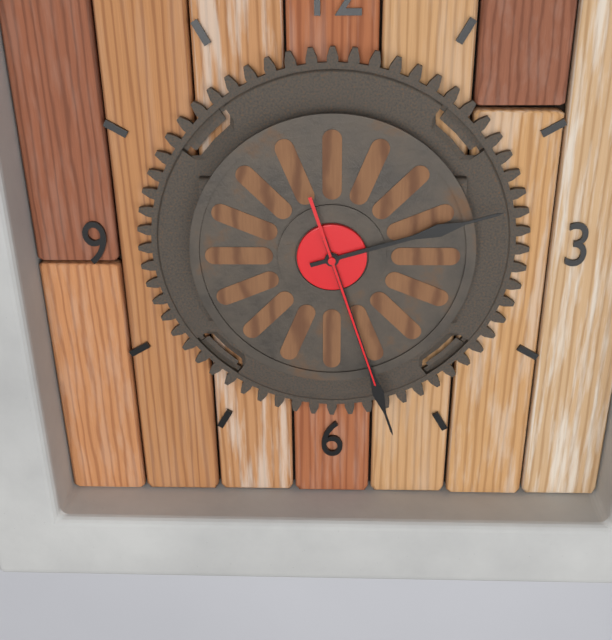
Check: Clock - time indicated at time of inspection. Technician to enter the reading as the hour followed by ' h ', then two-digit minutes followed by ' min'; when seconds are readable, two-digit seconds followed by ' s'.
2 h 27 min 27 s
